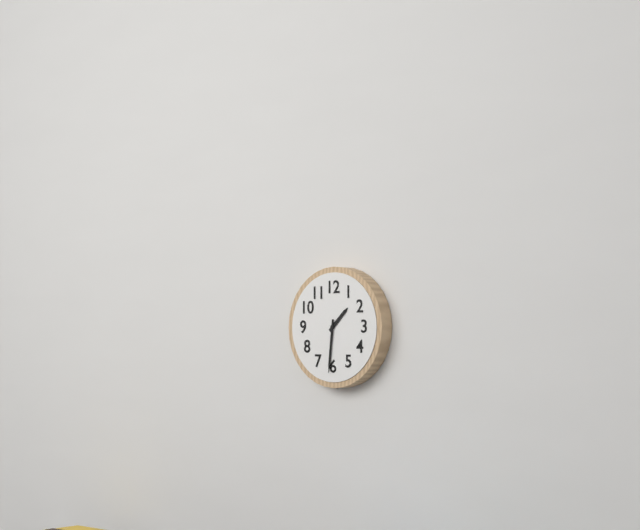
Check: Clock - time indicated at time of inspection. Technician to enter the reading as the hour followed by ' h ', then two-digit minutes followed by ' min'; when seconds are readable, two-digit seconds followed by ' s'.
1 h 31 min
